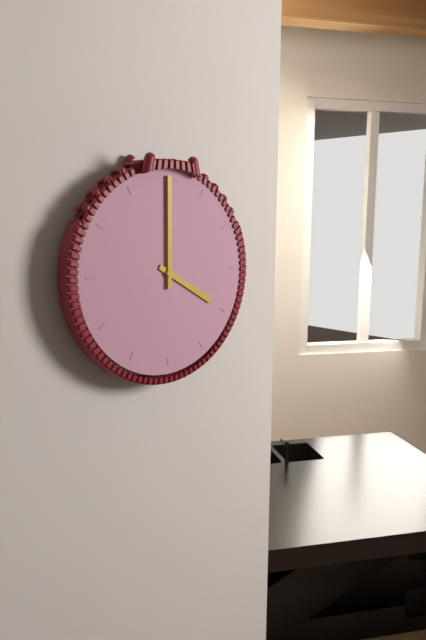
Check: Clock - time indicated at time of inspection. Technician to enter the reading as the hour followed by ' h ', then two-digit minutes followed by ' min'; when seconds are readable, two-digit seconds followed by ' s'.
4 h 00 min
